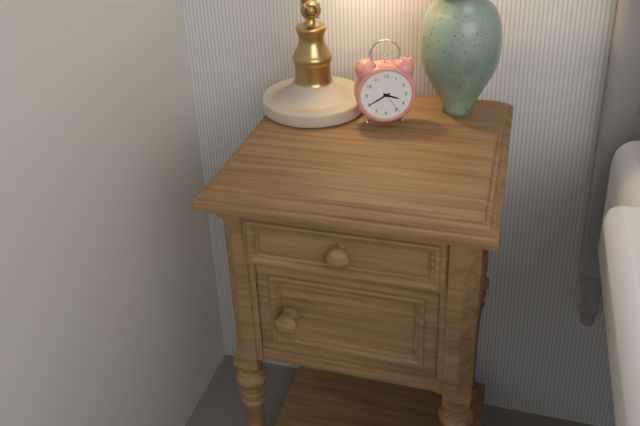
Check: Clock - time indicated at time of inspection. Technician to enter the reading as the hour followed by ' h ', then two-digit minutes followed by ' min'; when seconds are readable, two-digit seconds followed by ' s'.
3 h 40 min
